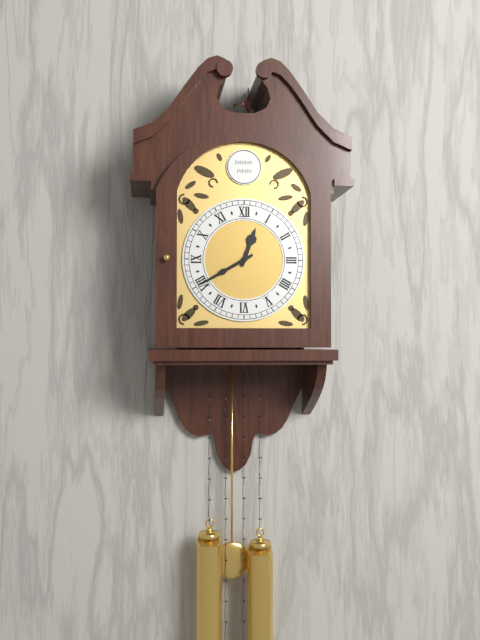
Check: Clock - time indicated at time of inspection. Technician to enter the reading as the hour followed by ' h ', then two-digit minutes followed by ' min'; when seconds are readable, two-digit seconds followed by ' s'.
12 h 40 min
